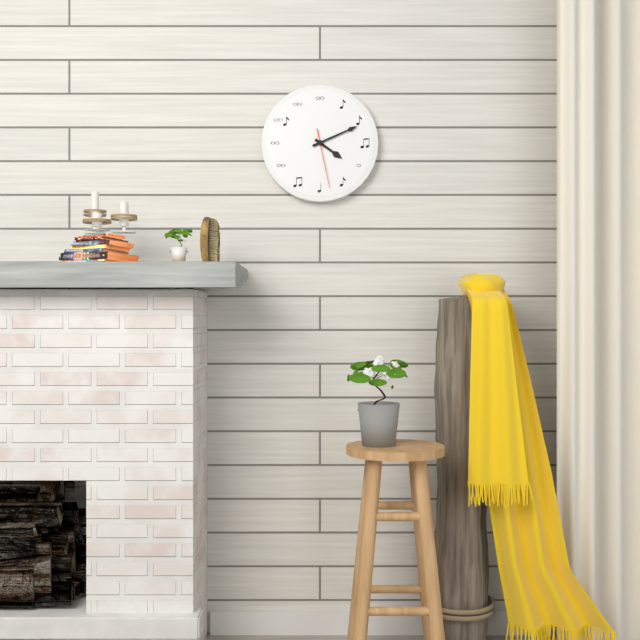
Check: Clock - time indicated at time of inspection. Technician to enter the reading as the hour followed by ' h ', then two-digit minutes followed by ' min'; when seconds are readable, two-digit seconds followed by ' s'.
4 h 11 min 28 s
